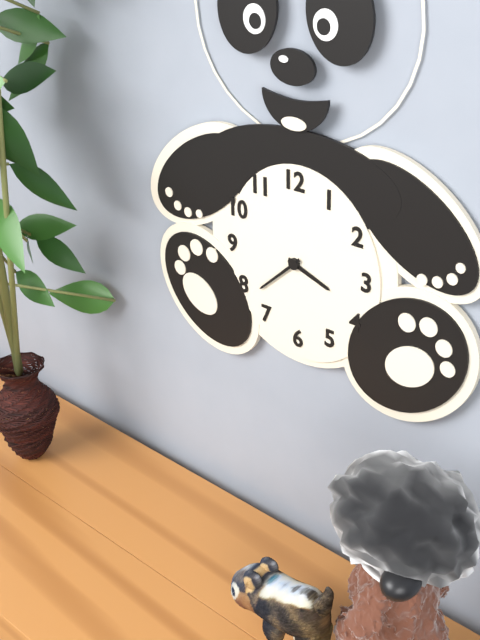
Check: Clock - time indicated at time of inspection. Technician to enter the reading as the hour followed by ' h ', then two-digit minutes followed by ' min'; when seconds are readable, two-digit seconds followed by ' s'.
3 h 38 min
